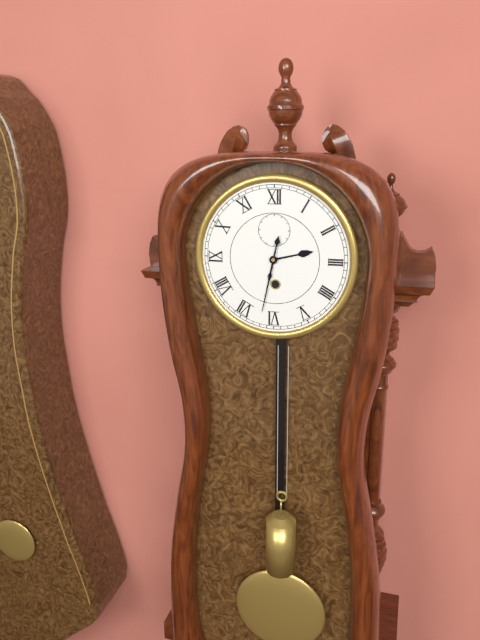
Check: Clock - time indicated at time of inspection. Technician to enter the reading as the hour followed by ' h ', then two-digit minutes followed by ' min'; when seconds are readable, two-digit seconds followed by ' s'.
2 h 32 min
